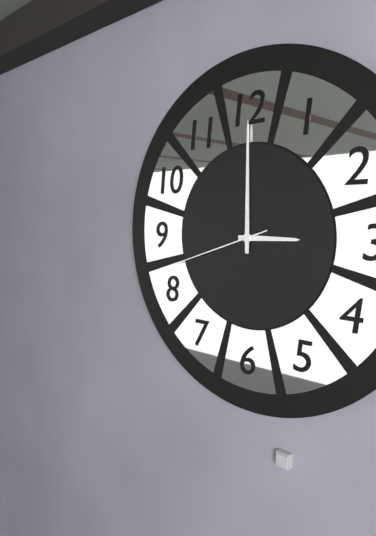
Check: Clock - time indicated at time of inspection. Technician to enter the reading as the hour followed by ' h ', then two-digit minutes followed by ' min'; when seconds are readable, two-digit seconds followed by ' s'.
3 h 00 min 42 s
